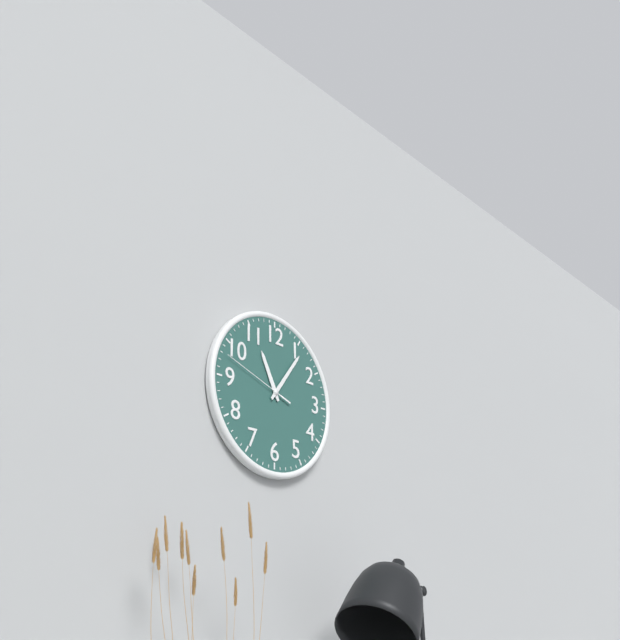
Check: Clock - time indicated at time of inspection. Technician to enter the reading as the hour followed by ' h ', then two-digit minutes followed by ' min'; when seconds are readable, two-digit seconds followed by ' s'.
11 h 06 min 48 s
